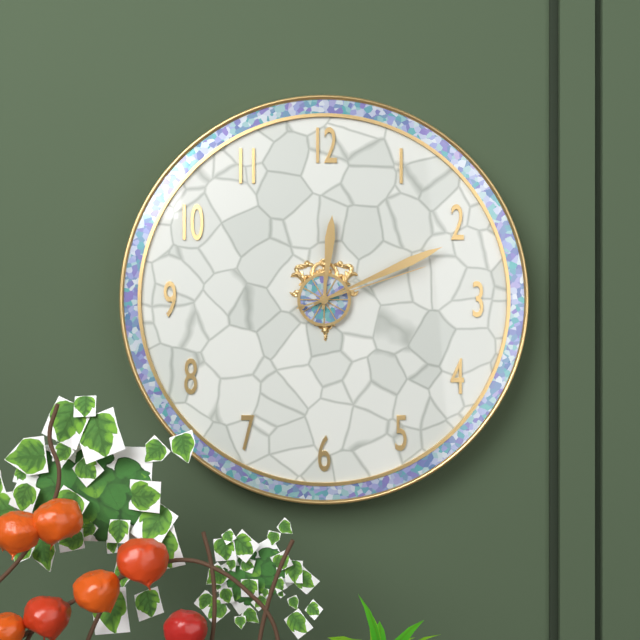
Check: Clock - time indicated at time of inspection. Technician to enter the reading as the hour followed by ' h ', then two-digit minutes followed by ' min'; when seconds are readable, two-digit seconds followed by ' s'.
12 h 11 min 12 s
